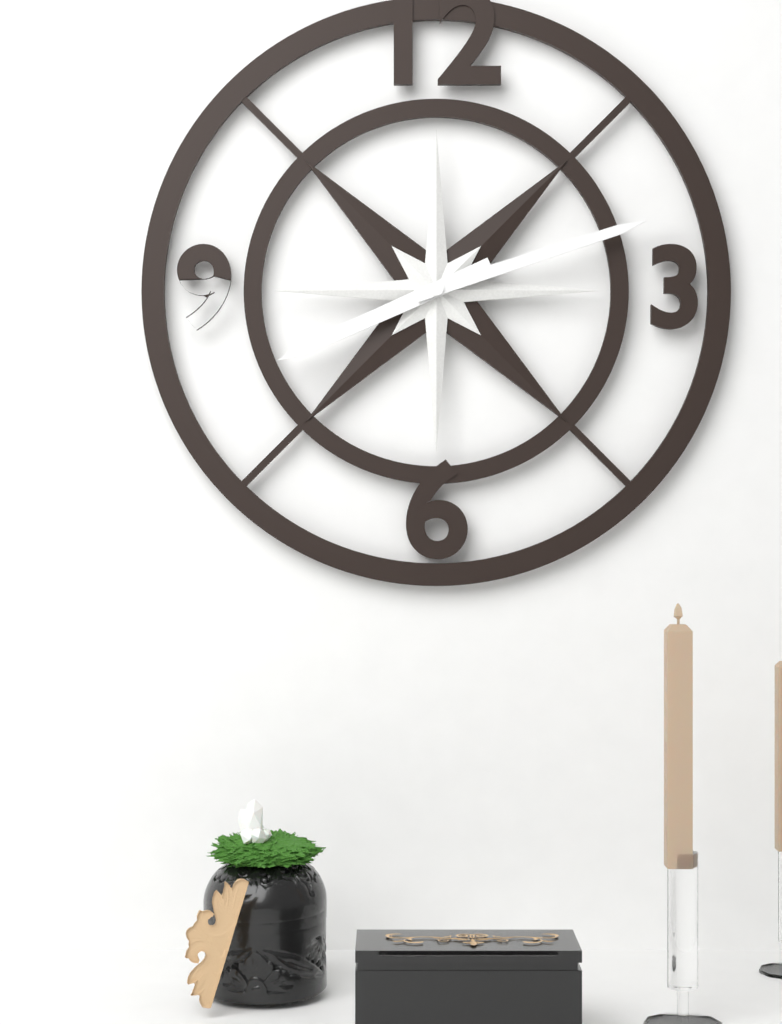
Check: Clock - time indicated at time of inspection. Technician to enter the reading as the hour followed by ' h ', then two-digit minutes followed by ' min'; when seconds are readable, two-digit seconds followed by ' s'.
8 h 12 min
